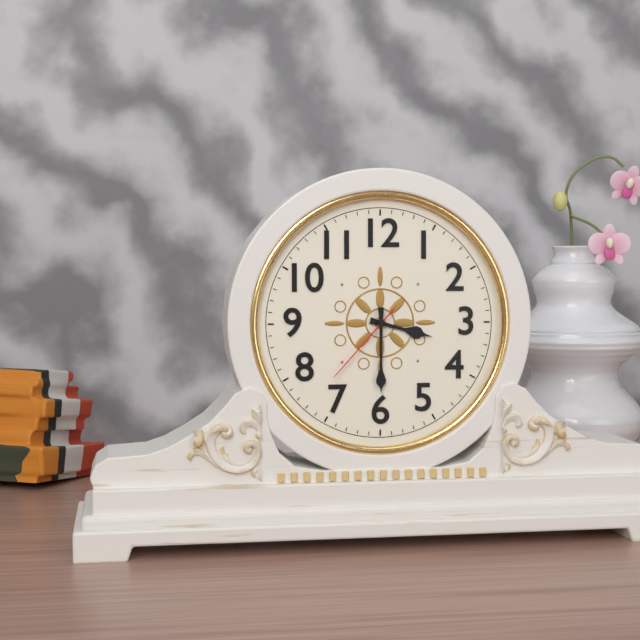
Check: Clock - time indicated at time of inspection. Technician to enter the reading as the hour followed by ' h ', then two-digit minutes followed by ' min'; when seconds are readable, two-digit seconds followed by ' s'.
3 h 30 min 37 s
